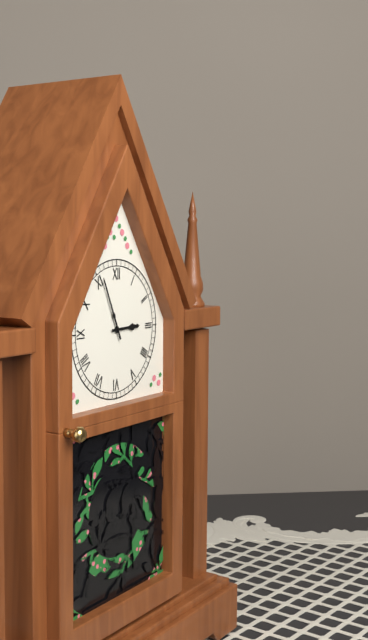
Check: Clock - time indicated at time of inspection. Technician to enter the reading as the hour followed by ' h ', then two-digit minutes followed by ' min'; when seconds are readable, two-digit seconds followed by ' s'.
2 h 56 min
